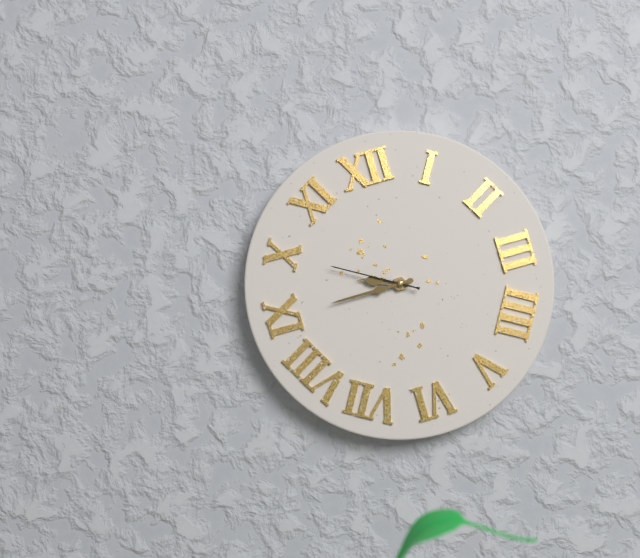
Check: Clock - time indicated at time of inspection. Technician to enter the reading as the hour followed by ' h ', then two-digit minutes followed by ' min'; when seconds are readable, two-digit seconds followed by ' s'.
9 h 45 min 50 s
